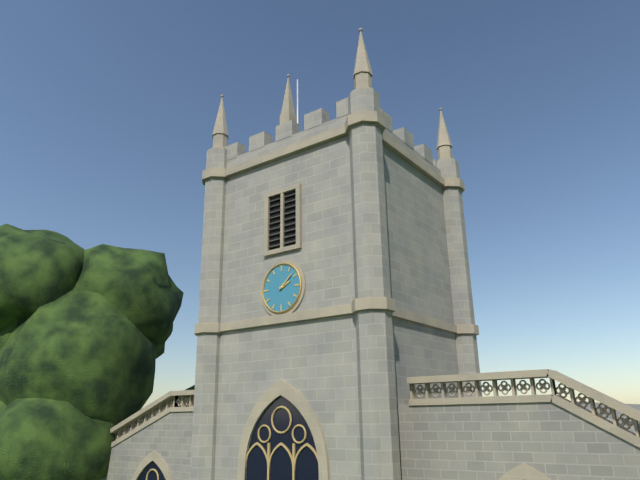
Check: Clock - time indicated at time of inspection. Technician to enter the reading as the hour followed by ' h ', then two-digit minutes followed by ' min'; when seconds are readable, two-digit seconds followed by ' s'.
2 h 08 min
